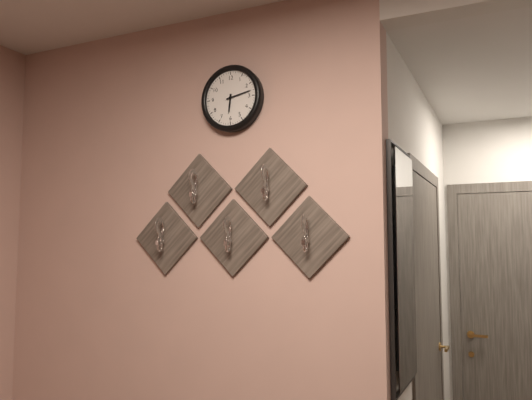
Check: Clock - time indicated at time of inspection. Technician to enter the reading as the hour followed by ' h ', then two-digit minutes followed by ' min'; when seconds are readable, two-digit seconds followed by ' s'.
6 h 13 min
